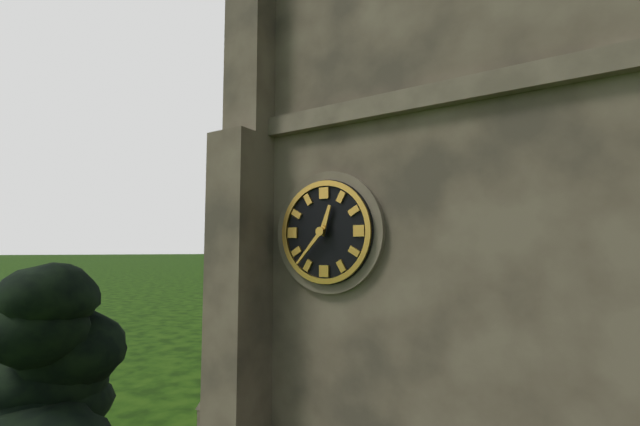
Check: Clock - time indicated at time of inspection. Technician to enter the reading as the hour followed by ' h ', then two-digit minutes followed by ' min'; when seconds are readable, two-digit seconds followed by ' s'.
12 h 37 min
